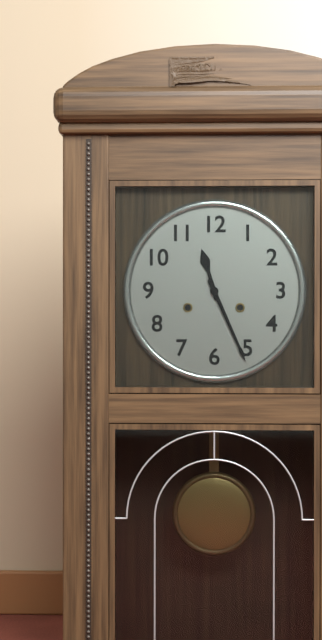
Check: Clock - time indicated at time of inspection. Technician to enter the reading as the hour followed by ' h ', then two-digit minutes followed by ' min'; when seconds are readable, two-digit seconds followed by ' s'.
11 h 26 min
